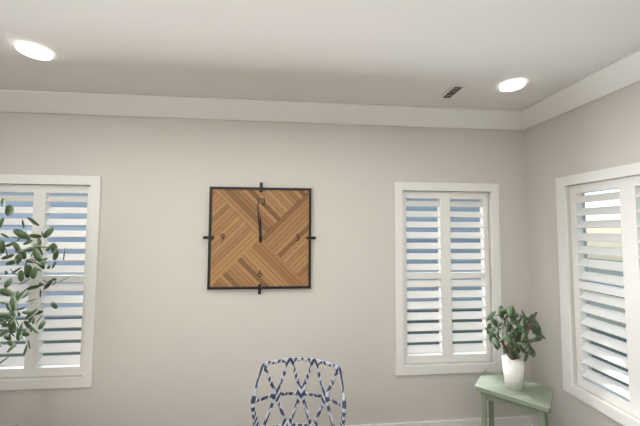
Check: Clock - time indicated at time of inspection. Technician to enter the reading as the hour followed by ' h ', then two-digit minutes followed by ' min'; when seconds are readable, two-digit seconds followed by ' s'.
11 h 59 min
